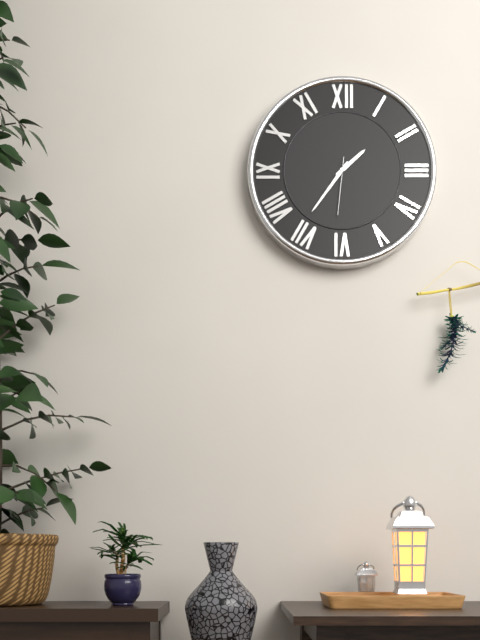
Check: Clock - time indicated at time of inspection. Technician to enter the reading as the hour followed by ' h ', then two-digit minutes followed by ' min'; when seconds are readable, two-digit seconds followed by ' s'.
1 h 36 min 31 s
